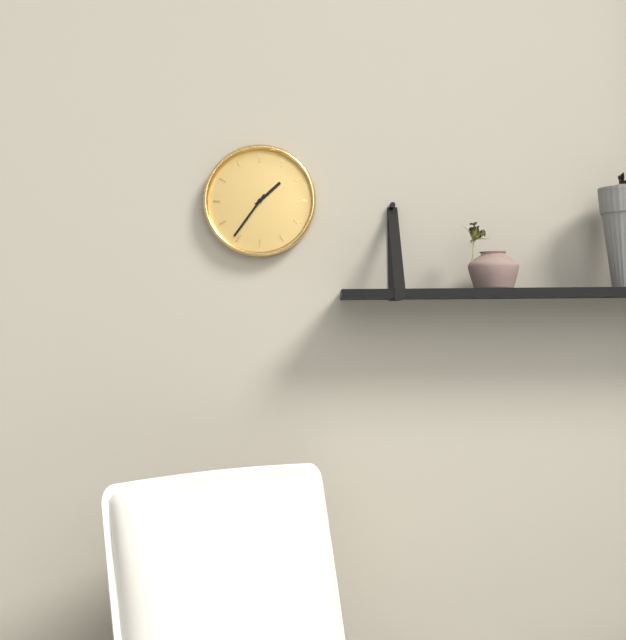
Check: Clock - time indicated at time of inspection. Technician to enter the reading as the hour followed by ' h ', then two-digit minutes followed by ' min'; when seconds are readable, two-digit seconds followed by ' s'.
1 h 36 min
